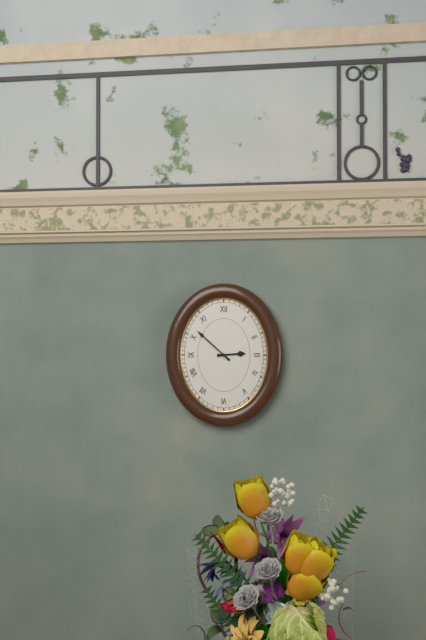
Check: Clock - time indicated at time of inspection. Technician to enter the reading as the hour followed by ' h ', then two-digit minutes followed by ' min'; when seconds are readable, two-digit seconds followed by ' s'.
2 h 52 min
